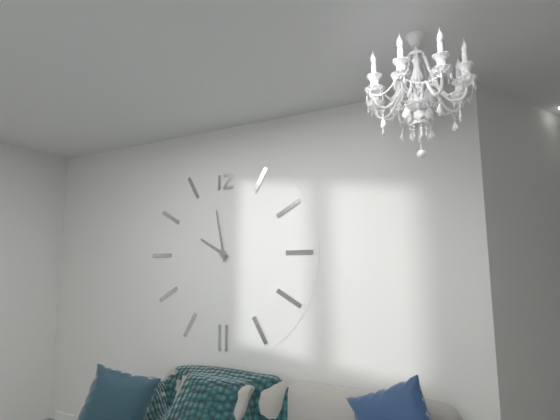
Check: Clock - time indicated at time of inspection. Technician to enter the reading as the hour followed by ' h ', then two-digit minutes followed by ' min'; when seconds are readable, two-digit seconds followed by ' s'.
9 h 58 min
